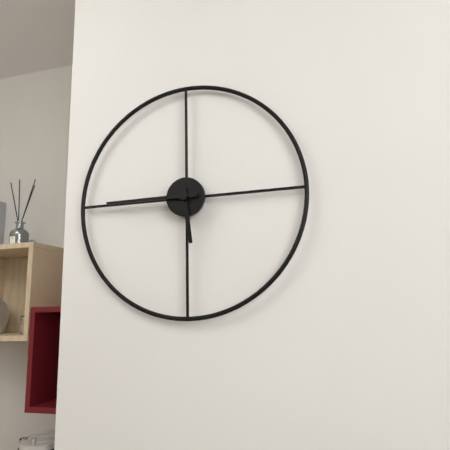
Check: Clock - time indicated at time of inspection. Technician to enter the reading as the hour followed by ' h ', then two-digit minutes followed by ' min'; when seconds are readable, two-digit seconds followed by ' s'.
5 h 45 min
